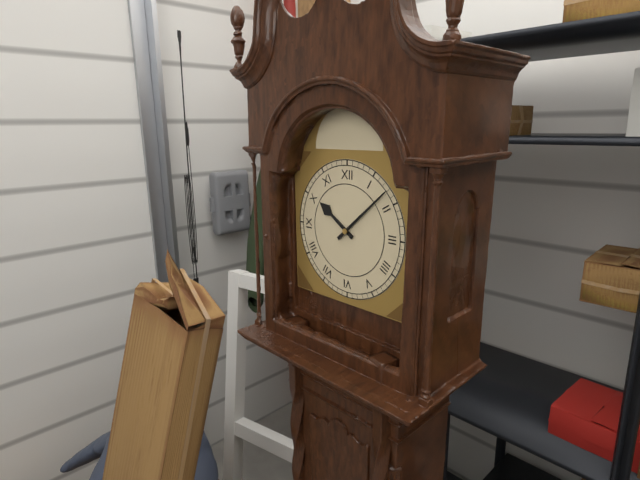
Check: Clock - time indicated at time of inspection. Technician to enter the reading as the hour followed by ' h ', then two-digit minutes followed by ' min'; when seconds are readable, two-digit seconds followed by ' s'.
10 h 08 min
